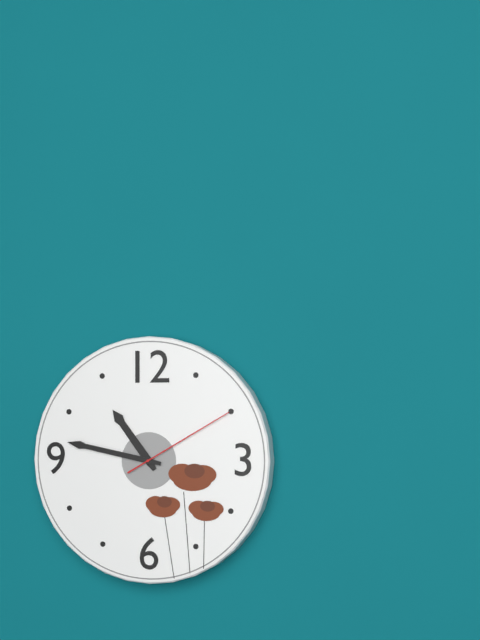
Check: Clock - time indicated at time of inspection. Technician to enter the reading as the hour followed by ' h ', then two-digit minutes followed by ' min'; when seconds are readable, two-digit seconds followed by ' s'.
10 h 47 min 10 s
